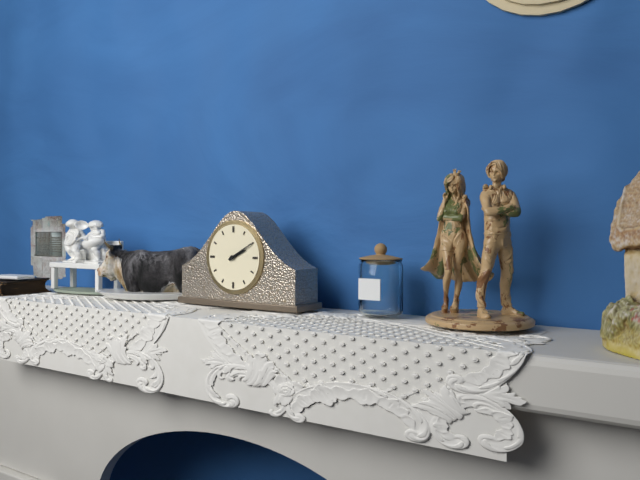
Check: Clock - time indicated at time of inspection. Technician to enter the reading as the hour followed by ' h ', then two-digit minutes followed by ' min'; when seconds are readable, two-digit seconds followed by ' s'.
2 h 10 min
